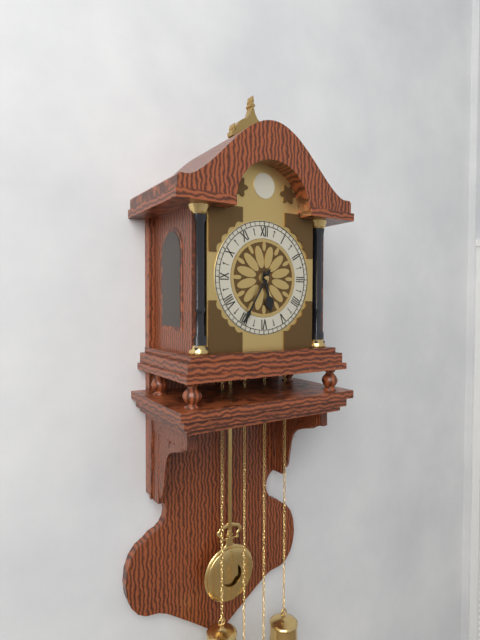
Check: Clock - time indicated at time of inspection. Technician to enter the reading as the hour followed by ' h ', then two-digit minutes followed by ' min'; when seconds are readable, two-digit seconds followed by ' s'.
5 h 35 min
